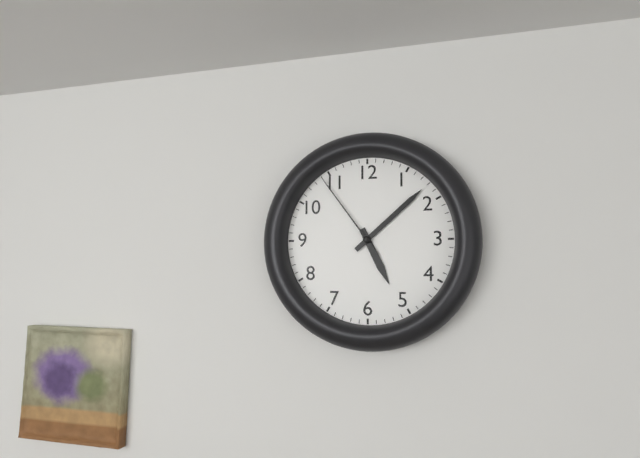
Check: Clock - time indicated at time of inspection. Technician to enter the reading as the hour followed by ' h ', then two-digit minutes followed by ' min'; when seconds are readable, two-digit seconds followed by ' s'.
5 h 08 min 54 s
